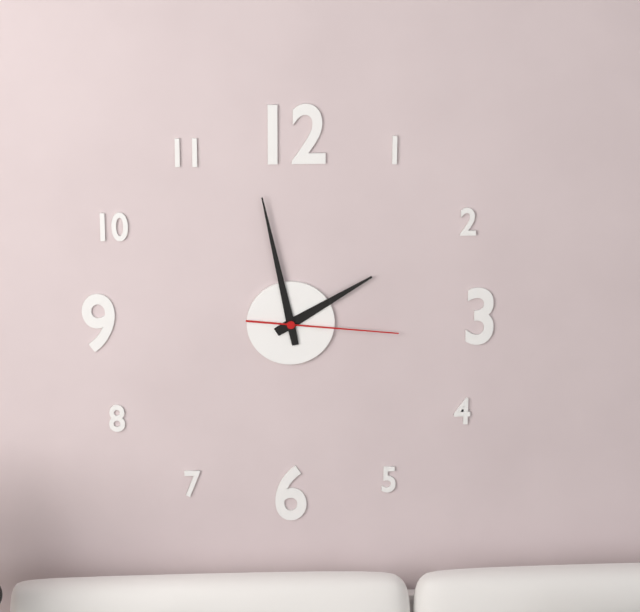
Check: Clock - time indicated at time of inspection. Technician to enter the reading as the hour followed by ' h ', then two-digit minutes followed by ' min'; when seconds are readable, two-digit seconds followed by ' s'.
1 h 58 min 16 s
